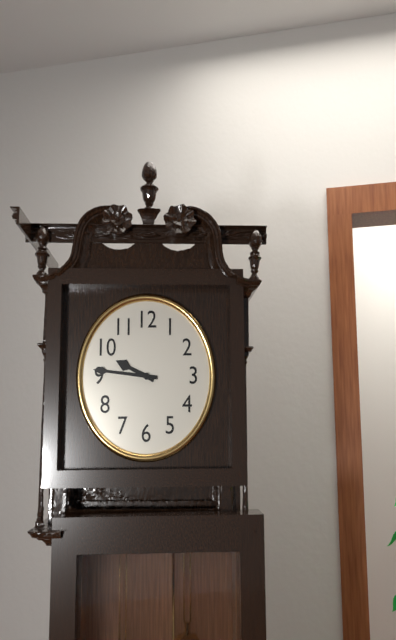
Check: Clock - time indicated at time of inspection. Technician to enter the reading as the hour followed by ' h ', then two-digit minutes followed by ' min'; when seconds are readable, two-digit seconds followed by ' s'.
9 h 46 min
